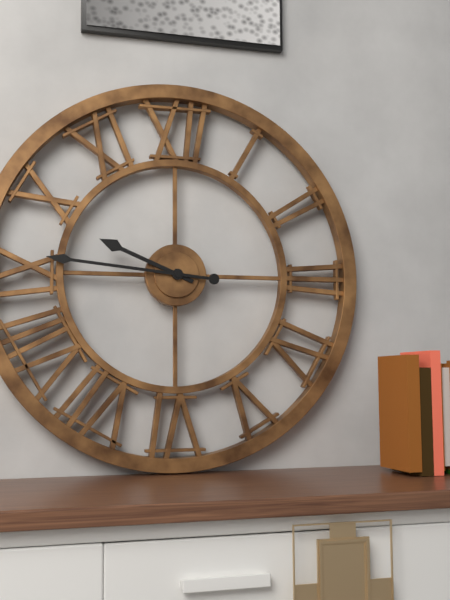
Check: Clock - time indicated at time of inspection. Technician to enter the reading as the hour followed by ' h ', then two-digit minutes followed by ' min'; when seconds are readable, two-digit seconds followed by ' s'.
9 h 46 min
